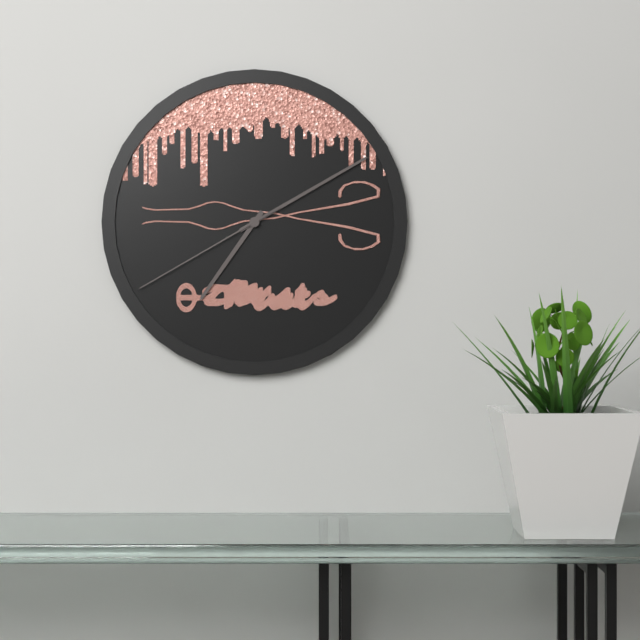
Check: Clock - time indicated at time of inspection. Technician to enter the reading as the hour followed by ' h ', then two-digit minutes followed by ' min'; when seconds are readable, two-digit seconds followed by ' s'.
7 h 10 min 40 s
